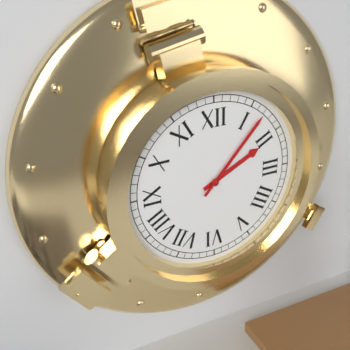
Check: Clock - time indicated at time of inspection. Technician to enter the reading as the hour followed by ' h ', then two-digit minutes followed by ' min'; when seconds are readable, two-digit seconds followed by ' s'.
2 h 07 min
